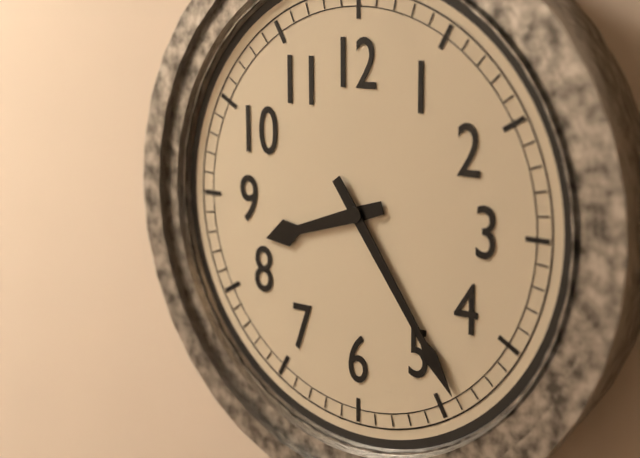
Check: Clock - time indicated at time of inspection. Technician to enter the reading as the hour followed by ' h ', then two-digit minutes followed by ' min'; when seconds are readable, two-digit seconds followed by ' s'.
8 h 24 min
